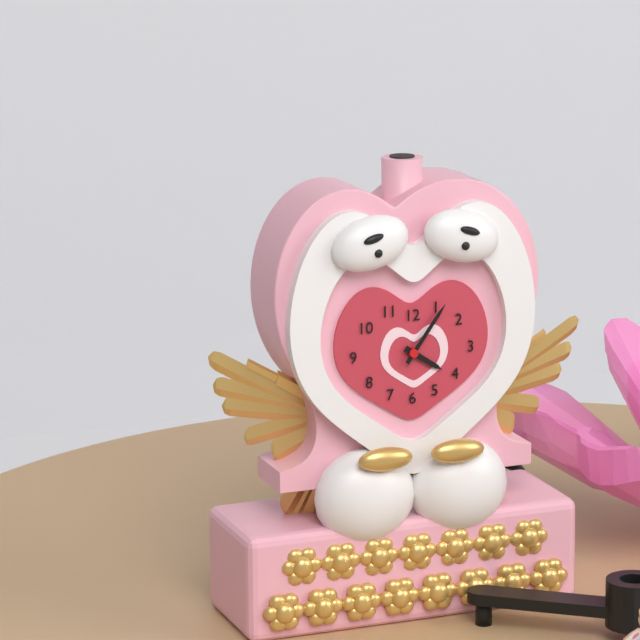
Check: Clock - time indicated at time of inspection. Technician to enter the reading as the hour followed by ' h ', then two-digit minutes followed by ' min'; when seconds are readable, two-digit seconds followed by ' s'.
4 h 06 min
